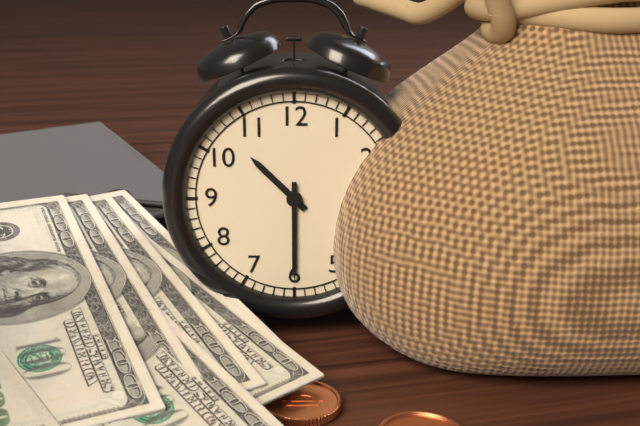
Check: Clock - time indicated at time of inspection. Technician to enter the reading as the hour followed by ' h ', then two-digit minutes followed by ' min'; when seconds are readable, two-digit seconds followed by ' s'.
10 h 30 min
